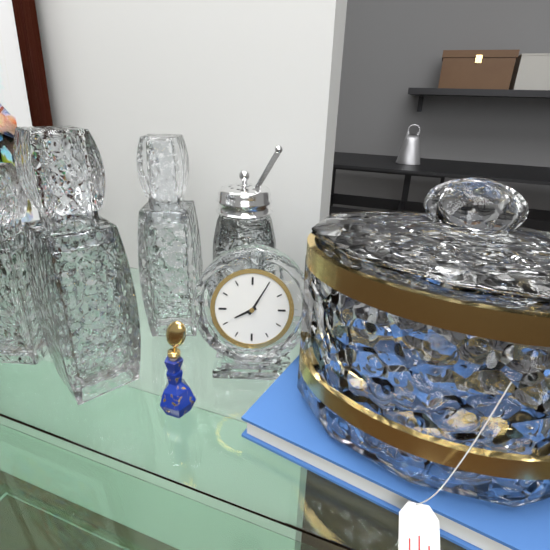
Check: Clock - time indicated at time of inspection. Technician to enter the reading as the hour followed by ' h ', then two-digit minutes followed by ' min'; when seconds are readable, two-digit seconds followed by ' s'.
8 h 05 min
